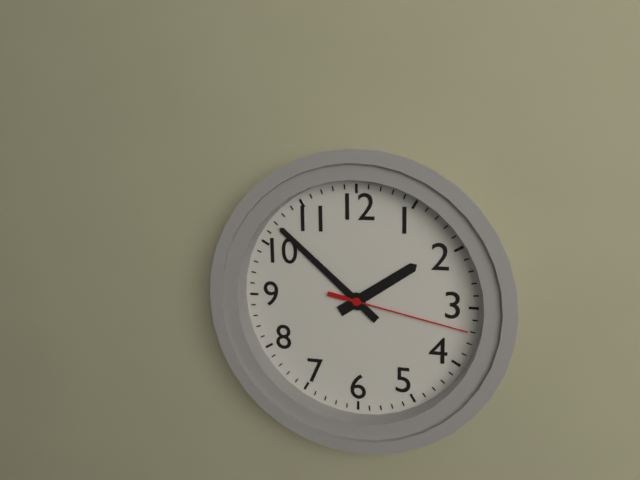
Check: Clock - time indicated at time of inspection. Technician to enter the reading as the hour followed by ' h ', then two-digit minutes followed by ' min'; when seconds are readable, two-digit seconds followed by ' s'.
1 h 52 min 17 s
